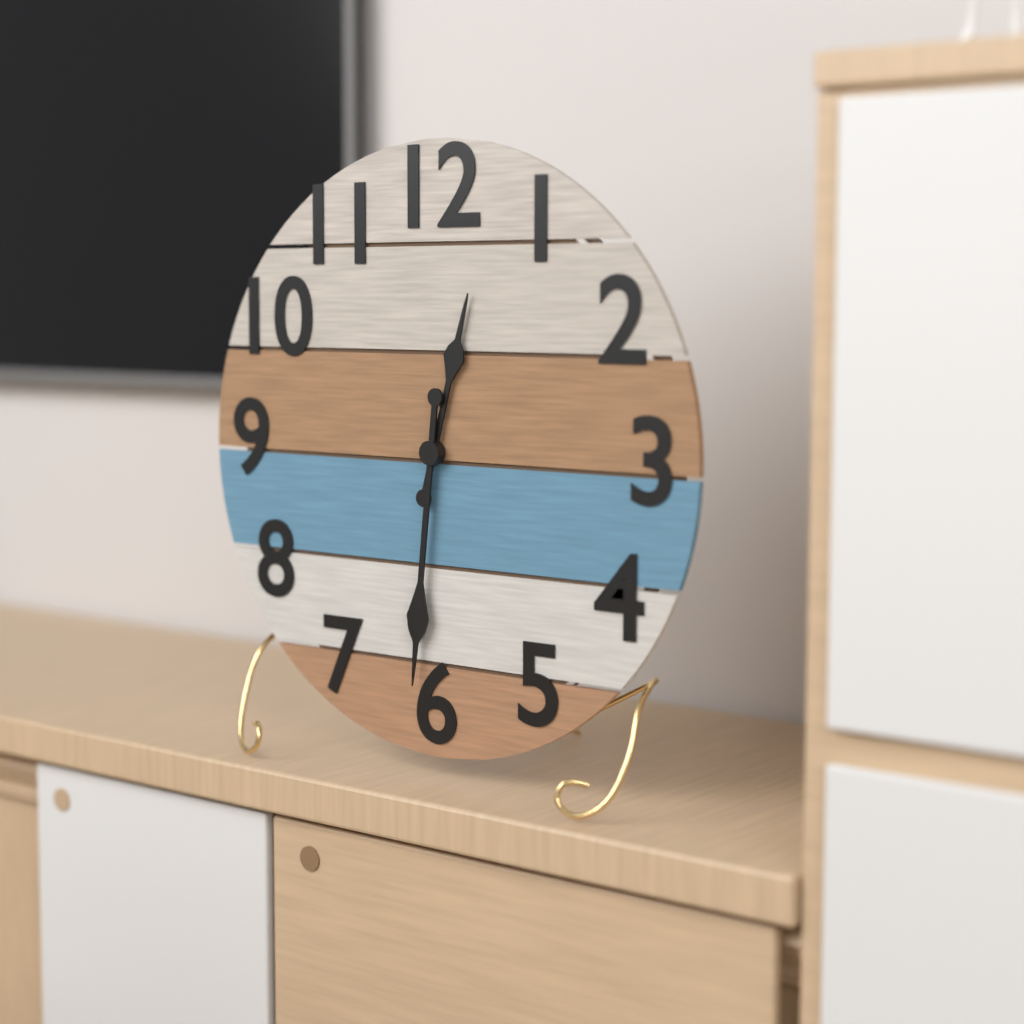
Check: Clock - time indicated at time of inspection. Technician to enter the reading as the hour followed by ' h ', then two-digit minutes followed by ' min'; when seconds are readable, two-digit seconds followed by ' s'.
12 h 31 min
